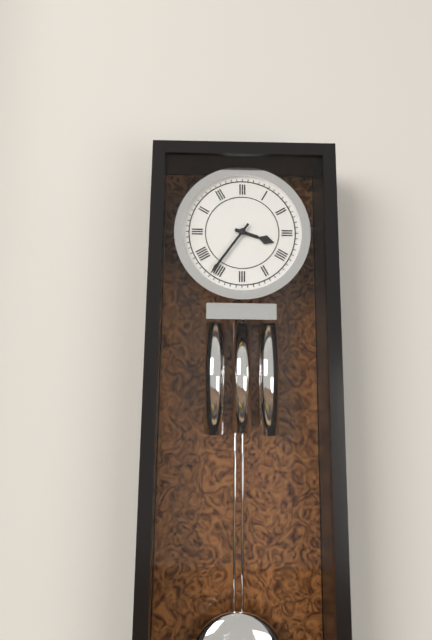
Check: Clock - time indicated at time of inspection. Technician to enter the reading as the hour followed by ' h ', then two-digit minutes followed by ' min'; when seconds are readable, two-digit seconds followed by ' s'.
3 h 36 min
